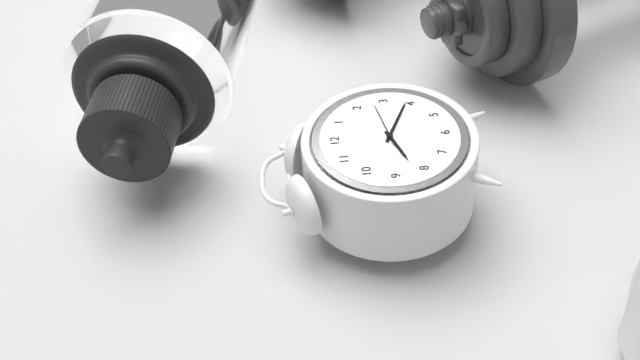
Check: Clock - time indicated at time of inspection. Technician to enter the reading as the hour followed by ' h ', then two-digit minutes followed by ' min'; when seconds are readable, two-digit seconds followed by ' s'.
8 h 19 min 13 s
